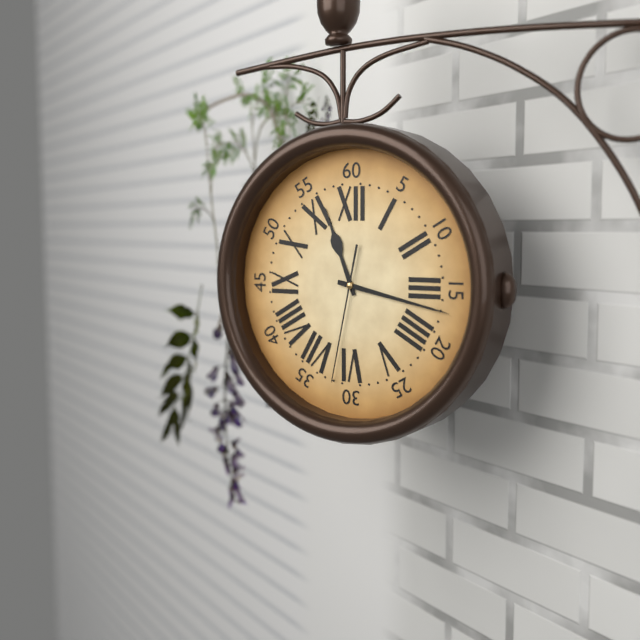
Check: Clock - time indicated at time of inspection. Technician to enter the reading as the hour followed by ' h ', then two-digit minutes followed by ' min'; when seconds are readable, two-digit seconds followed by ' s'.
11 h 17 min 32 s
